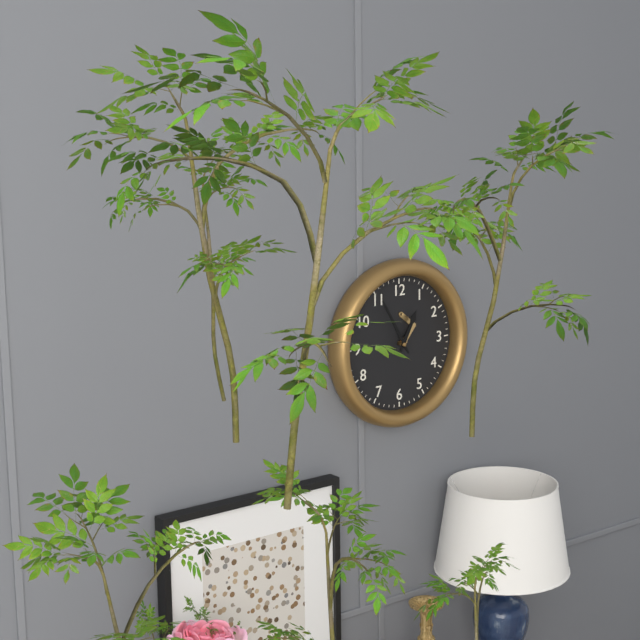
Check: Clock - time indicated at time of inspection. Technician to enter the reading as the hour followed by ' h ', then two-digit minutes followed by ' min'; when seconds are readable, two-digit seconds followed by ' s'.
12 h 55 min
